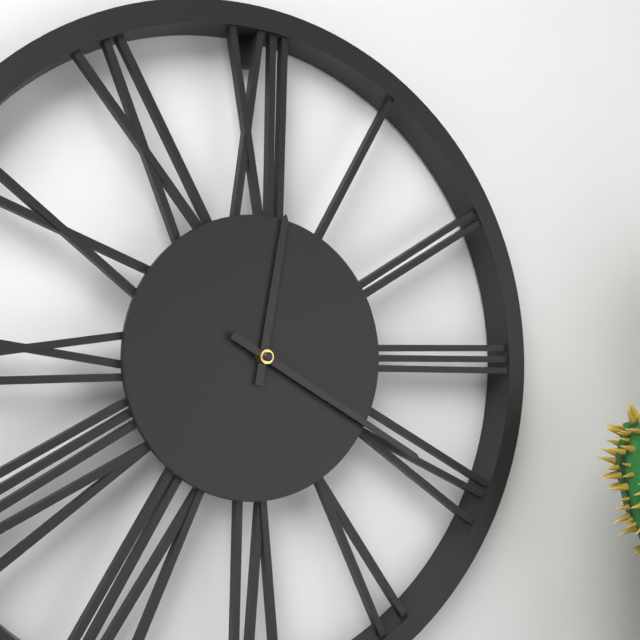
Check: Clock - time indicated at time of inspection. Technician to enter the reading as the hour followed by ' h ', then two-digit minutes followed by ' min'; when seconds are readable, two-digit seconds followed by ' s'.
12 h 20 min
